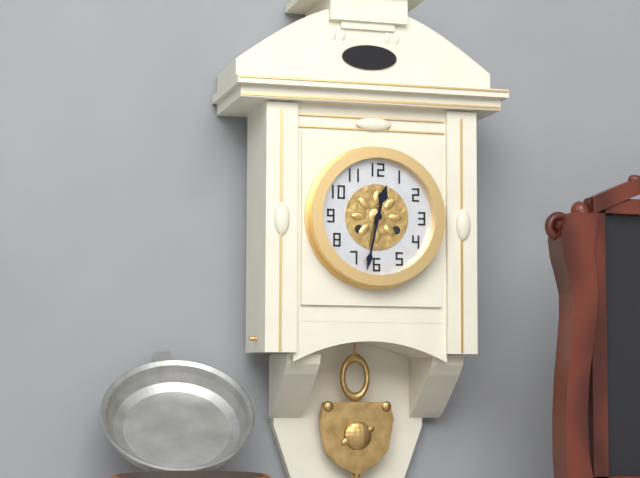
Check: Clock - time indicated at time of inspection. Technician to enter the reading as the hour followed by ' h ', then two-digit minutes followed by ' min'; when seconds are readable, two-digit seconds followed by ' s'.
12 h 32 min
